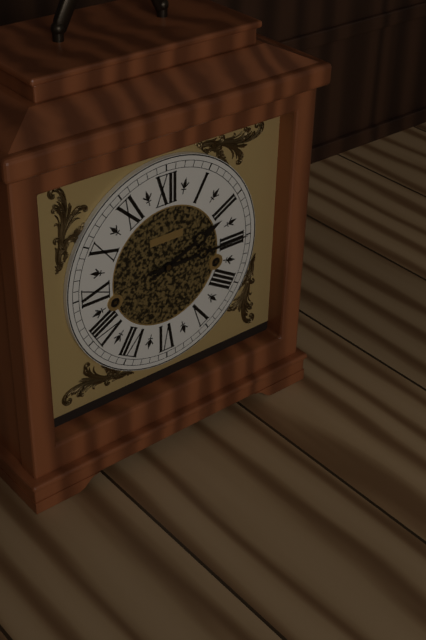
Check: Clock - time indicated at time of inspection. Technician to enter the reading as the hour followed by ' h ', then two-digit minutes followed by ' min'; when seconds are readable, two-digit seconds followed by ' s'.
2 h 15 min
